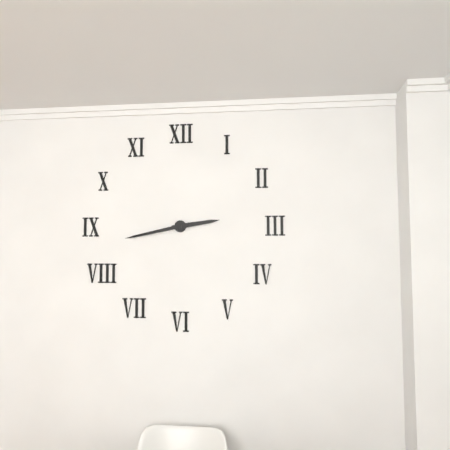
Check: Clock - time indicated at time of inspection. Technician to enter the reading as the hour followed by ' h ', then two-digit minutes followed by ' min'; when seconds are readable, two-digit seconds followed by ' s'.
2 h 43 min
